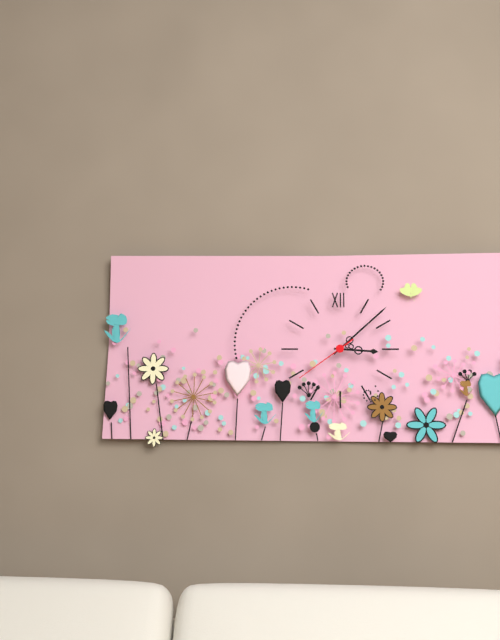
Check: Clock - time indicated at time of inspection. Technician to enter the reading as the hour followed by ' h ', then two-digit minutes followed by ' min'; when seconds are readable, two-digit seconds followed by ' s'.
3 h 08 min 39 s
